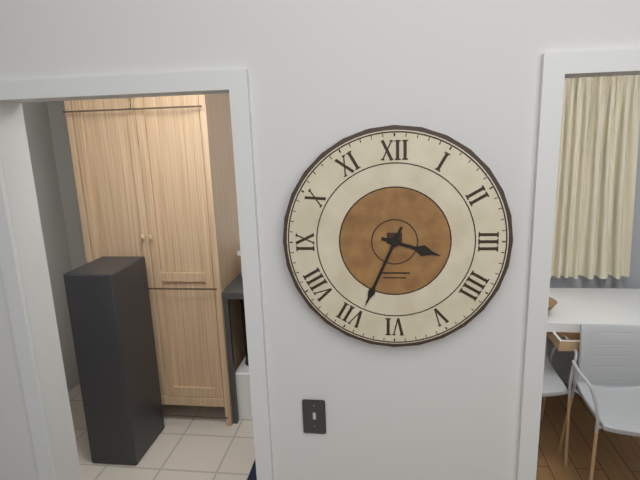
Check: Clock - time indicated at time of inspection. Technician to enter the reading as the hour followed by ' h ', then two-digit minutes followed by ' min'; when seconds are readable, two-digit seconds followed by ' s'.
3 h 34 min
